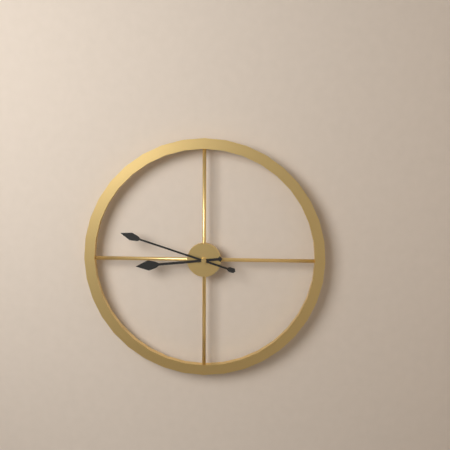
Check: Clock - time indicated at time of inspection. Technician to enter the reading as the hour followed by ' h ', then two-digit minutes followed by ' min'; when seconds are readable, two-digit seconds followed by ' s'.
8 h 48 min
